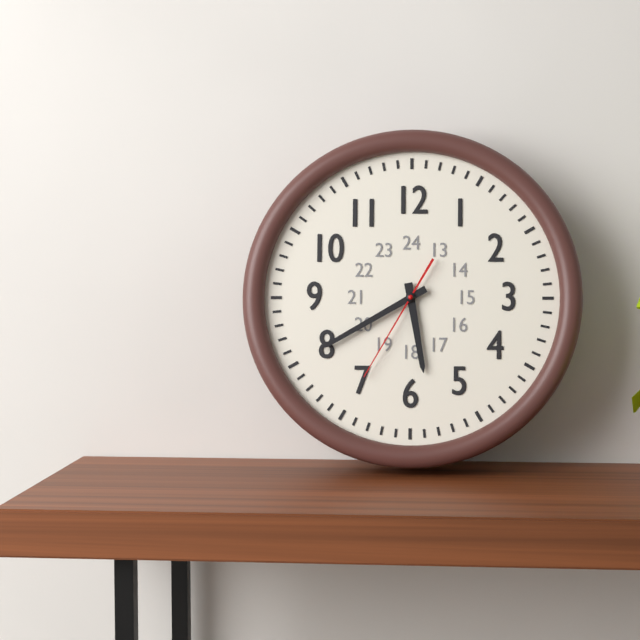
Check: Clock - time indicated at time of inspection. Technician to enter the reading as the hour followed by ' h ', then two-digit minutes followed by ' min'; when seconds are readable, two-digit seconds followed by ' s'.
5 h 40 min 35 s
